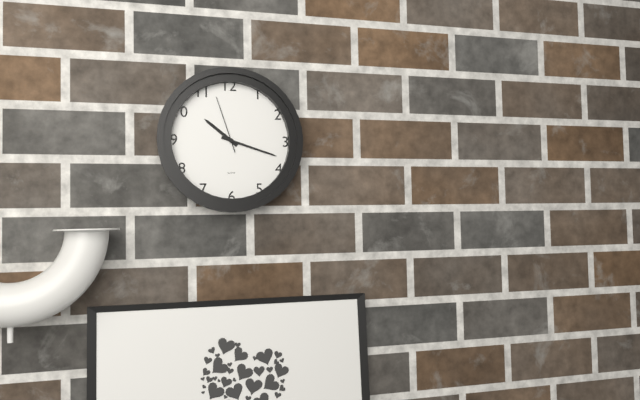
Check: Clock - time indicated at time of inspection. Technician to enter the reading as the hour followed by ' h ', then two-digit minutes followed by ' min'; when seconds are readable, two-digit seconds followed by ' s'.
10 h 18 min 57 s
